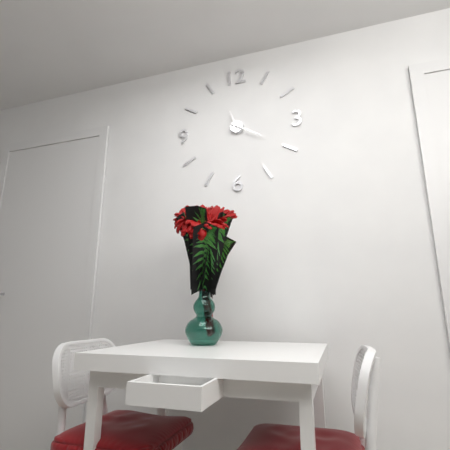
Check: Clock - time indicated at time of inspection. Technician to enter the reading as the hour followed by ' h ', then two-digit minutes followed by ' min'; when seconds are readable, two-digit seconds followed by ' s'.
11 h 20 min
